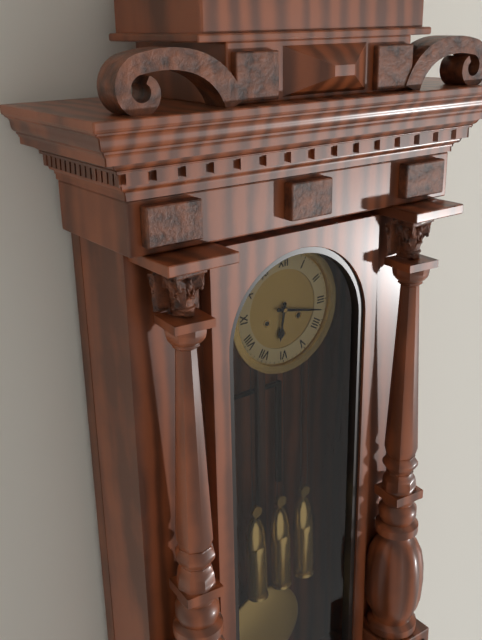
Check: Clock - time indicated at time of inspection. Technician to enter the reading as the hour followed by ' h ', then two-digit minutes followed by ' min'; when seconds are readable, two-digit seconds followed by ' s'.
6 h 17 min
